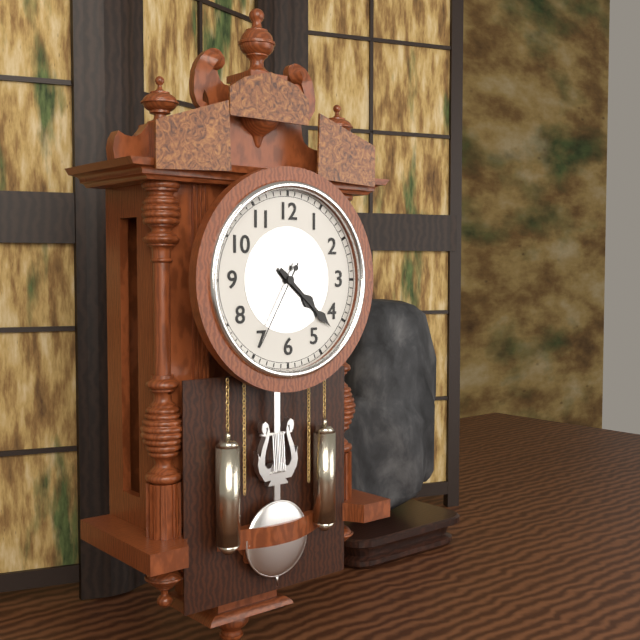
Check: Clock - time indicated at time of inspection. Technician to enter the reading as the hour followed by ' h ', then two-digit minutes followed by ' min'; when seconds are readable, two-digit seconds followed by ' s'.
4 h 22 min 35 s
